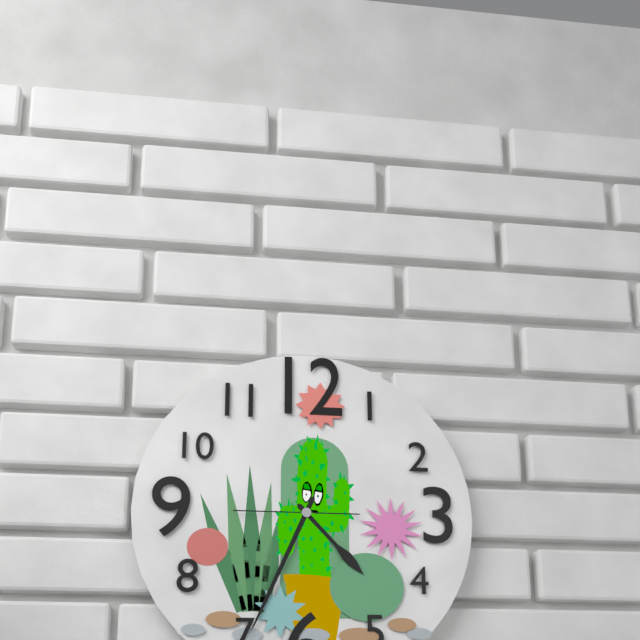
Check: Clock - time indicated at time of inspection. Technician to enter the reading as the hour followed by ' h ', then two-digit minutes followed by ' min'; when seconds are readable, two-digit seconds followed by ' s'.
4 h 34 min 45 s
